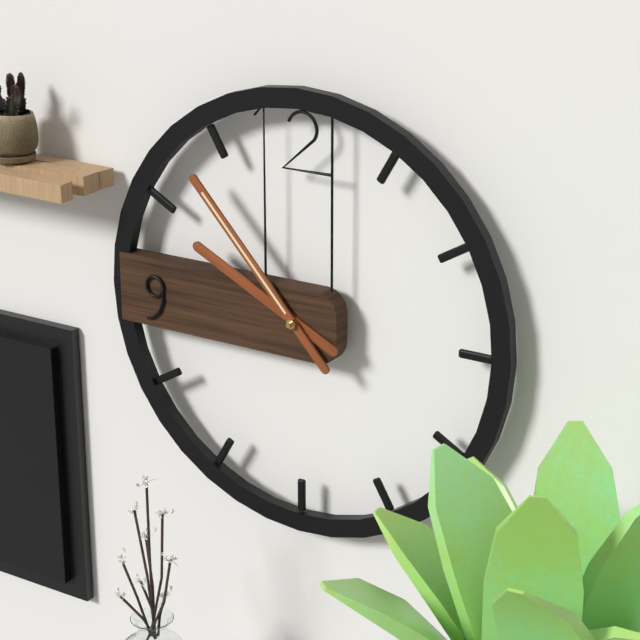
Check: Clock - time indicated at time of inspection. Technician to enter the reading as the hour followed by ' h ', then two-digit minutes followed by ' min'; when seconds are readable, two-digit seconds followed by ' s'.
9 h 53 min
